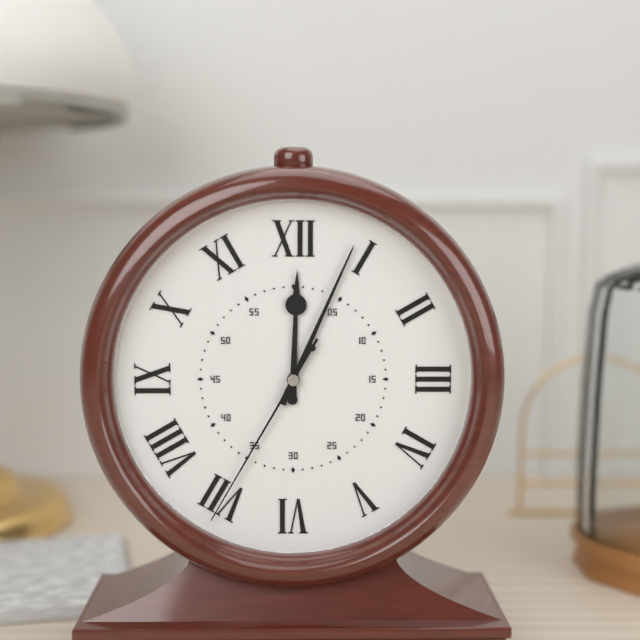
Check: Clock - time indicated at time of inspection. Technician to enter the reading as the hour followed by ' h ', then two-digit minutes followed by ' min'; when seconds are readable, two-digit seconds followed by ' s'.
12 h 04 min 35 s
